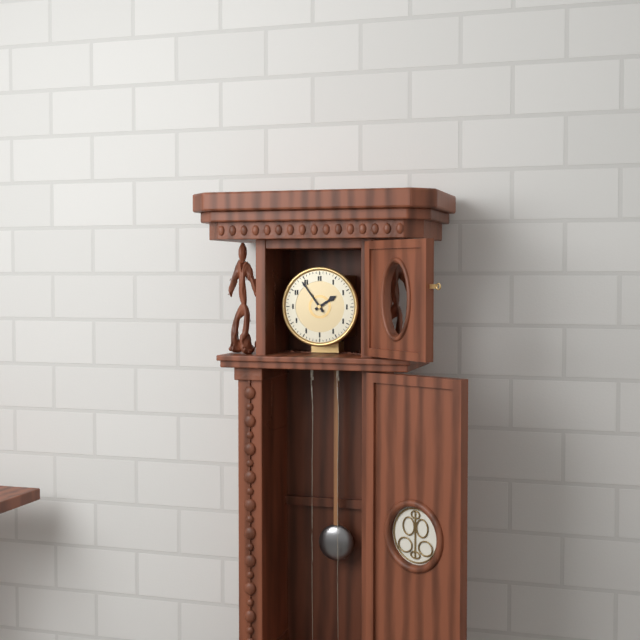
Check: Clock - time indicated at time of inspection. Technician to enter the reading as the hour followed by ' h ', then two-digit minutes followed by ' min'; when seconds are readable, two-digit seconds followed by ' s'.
1 h 54 min
